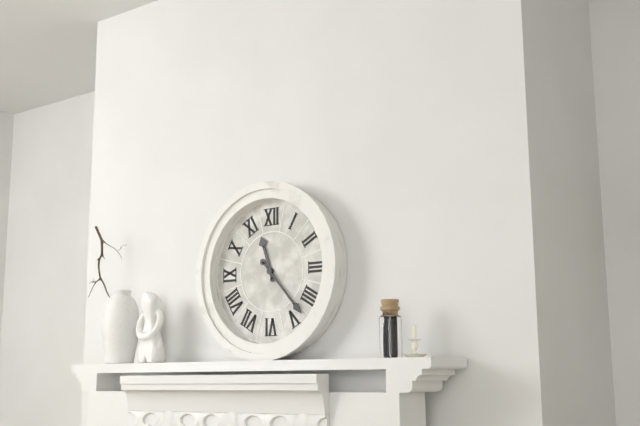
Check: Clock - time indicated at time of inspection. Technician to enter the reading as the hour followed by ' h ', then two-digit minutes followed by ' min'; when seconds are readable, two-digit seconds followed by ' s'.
11 h 23 min
